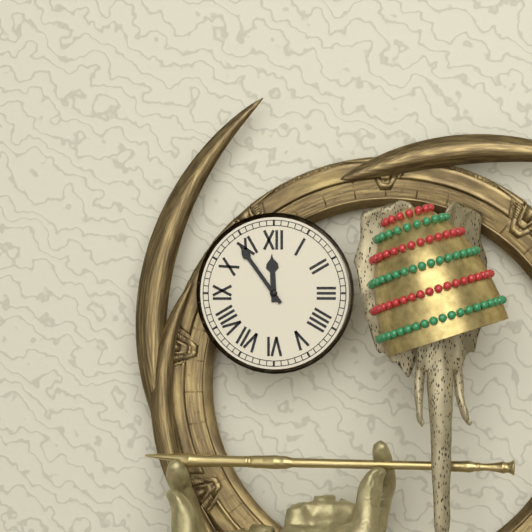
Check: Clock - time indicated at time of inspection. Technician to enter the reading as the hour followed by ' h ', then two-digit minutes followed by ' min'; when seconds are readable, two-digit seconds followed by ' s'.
11 h 54 min
